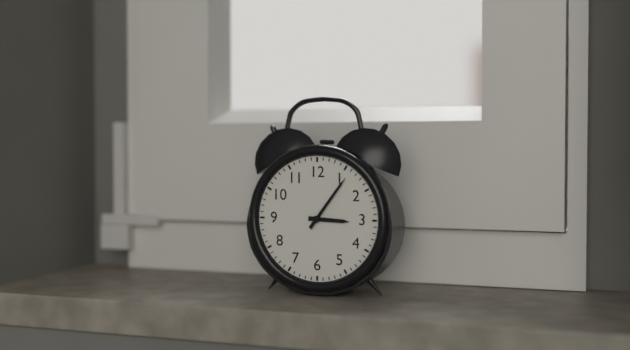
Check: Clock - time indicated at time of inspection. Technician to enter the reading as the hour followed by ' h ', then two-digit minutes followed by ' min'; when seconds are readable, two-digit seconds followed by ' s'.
3 h 06 min
